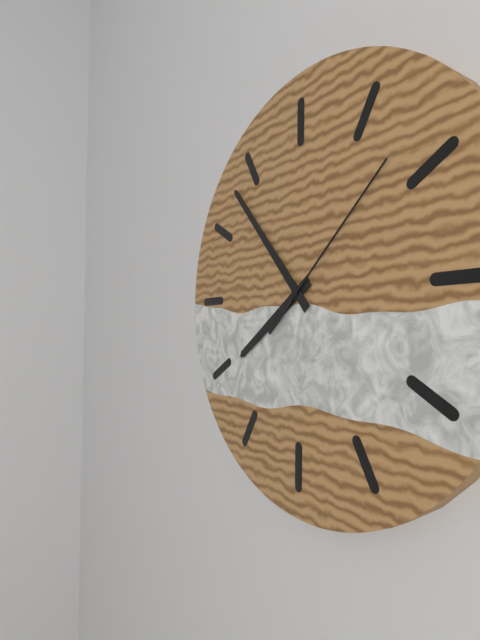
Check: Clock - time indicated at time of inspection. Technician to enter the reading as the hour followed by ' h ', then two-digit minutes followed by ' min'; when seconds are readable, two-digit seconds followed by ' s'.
7 h 53 min 08 s
